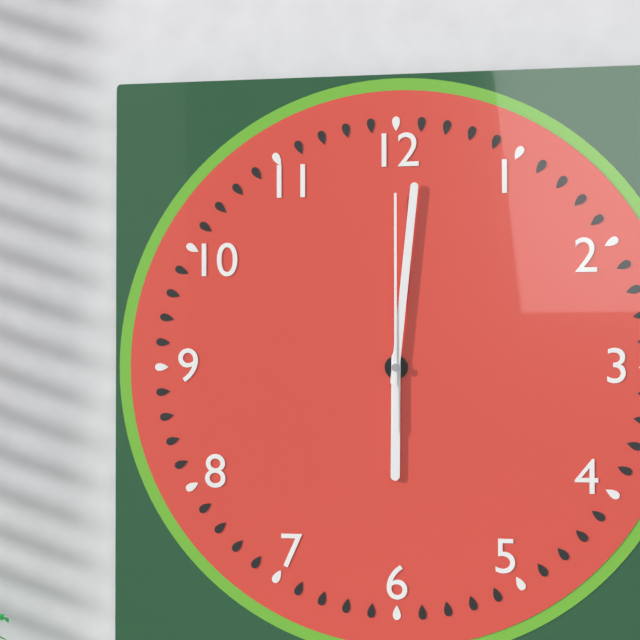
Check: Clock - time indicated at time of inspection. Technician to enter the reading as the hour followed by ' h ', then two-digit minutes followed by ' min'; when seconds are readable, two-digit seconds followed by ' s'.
6 h 01 min 00 s
